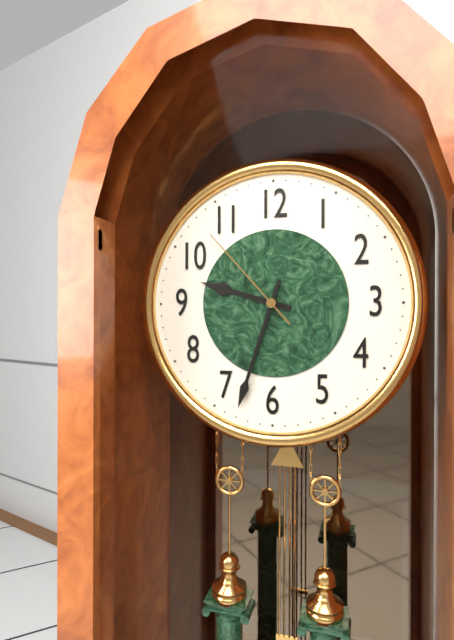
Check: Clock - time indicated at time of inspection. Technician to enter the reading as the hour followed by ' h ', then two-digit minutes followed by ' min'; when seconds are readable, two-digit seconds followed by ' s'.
9 h 33 min 53 s
